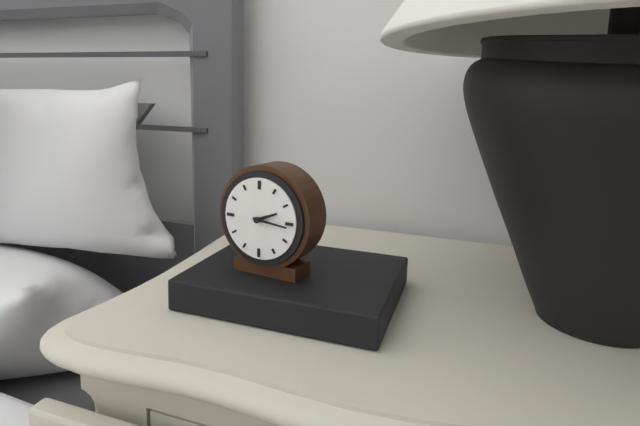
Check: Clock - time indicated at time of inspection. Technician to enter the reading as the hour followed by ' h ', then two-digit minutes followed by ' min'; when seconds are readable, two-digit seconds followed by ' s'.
2 h 16 min
